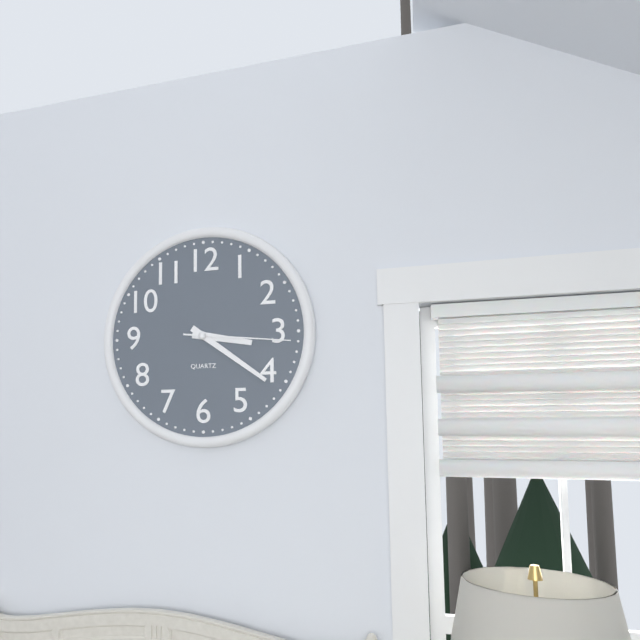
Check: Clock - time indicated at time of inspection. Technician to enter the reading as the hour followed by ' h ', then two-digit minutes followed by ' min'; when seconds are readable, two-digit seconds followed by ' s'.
3 h 21 min 16 s
